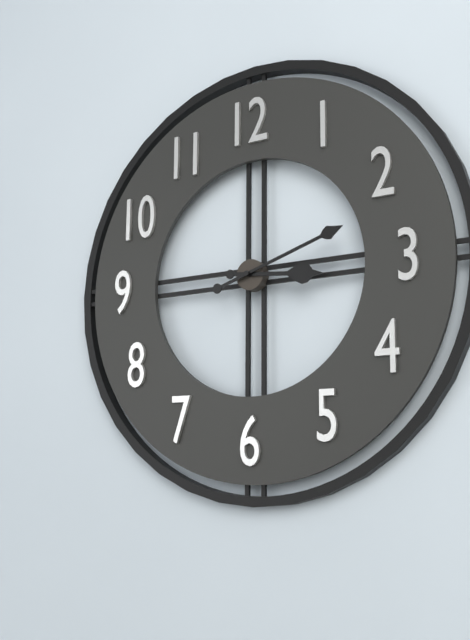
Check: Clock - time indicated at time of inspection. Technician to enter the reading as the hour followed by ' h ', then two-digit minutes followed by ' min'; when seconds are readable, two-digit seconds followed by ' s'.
3 h 12 min
